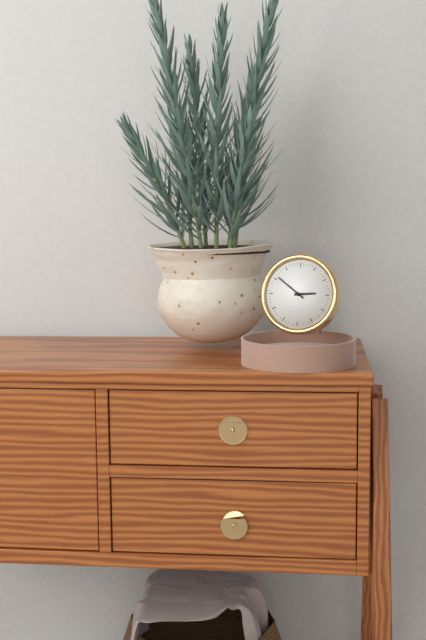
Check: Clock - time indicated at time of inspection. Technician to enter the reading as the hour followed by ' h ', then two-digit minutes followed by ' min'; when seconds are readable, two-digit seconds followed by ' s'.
2 h 51 min
